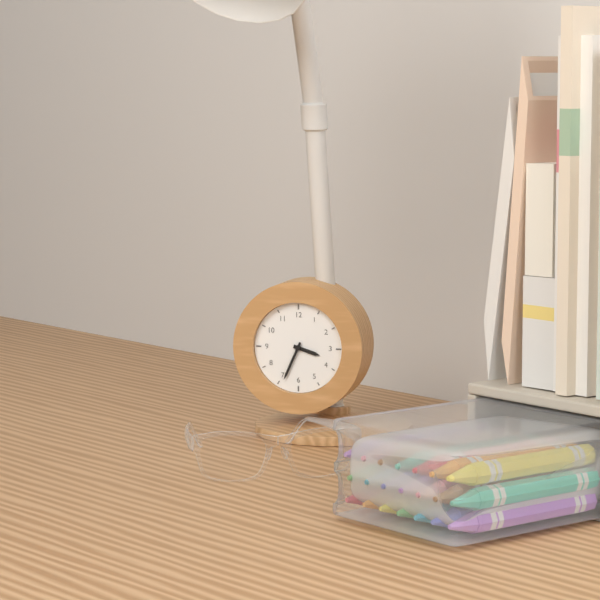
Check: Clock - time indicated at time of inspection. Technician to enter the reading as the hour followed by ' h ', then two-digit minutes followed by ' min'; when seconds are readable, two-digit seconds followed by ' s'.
3 h 34 min
